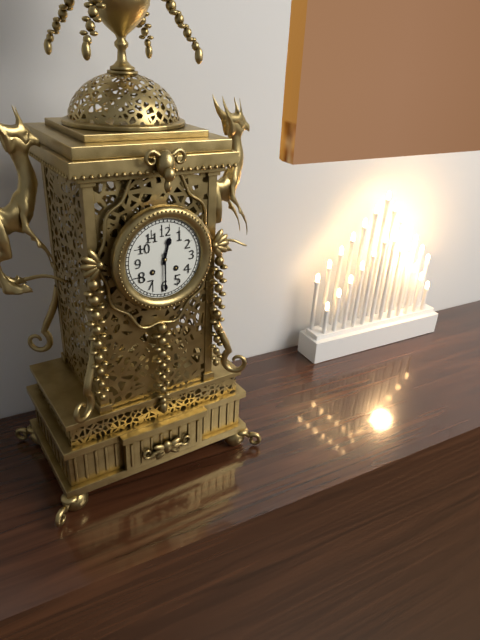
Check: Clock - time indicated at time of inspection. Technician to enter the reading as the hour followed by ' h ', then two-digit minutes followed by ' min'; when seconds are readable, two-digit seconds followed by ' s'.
12 h 30 min
